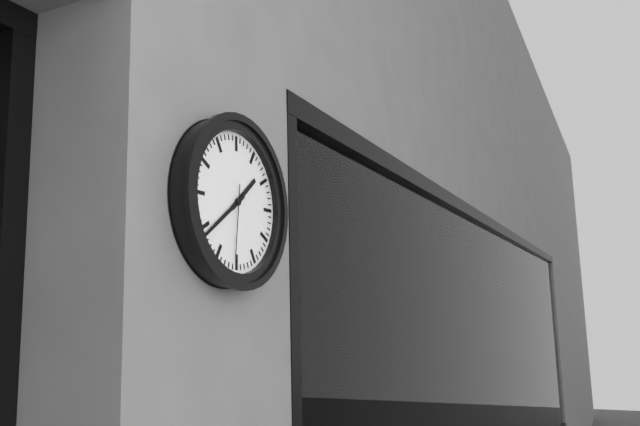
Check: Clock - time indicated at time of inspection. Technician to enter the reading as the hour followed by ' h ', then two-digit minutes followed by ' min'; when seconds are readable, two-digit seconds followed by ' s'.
1 h 39 min 31 s
